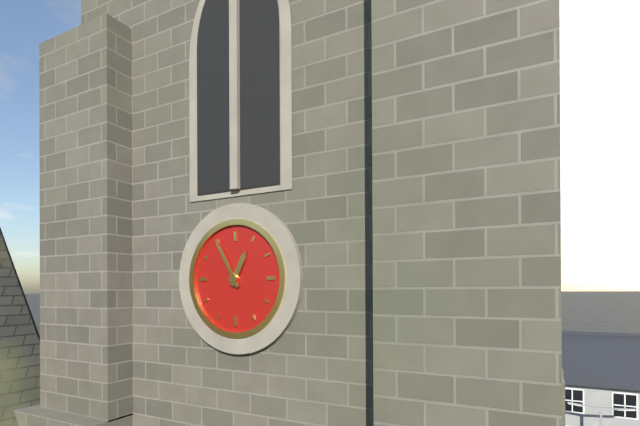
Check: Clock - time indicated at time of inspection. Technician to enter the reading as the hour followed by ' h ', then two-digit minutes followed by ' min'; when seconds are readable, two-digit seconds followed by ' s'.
12 h 55 min
